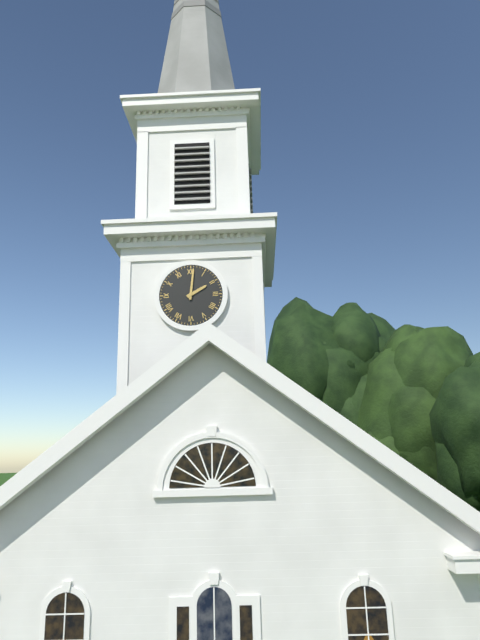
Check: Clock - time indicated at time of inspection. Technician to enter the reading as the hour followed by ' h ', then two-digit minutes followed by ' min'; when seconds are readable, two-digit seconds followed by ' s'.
2 h 01 min
